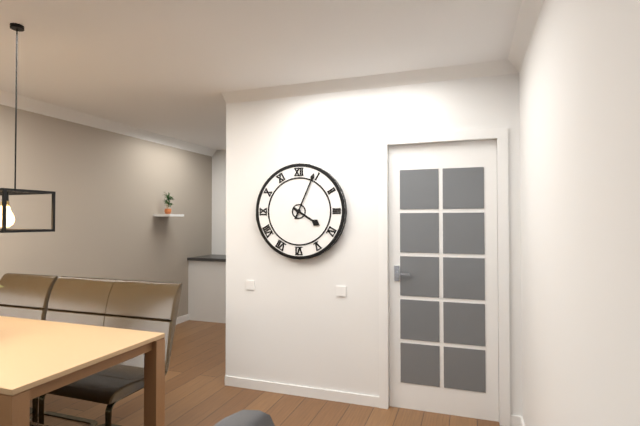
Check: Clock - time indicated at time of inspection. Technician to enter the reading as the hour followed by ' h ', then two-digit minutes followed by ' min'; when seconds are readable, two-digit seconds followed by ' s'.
4 h 04 min
